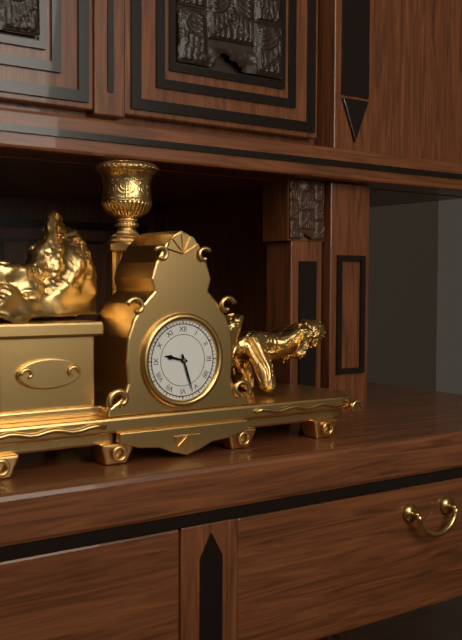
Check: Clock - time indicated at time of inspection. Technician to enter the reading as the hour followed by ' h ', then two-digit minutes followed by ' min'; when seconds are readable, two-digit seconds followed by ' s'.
9 h 27 min
